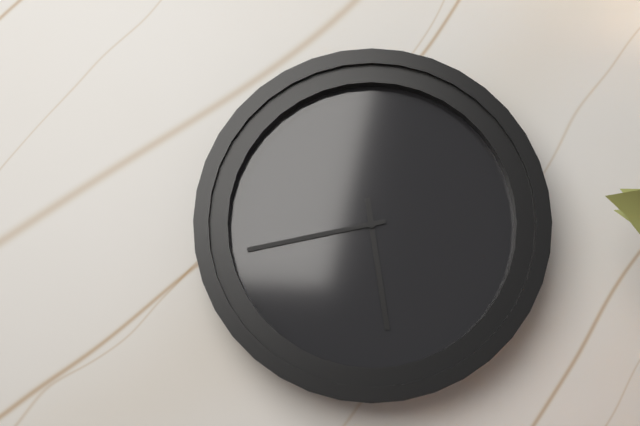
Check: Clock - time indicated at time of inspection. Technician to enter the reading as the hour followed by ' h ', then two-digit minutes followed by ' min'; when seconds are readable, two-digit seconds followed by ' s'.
5 h 43 min
